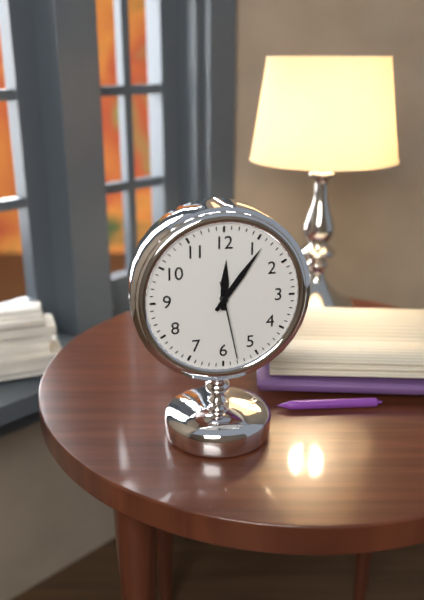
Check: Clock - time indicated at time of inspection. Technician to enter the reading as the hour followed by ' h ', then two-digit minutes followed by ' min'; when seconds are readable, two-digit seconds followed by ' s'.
12 h 06 min 28 s
